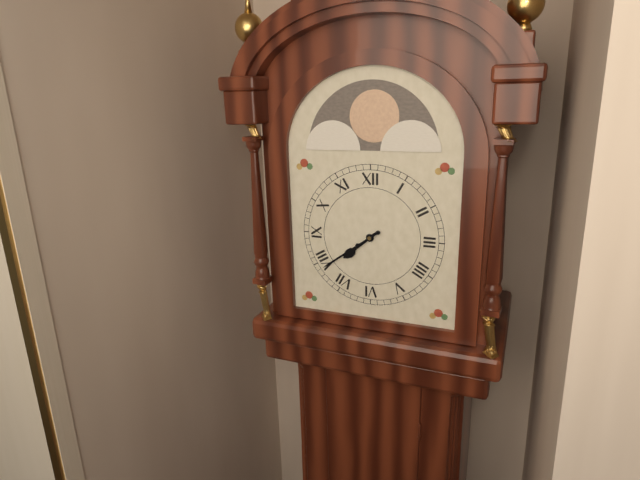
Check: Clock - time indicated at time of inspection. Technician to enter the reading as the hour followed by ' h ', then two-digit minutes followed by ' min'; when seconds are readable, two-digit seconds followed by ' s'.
7 h 39 min
